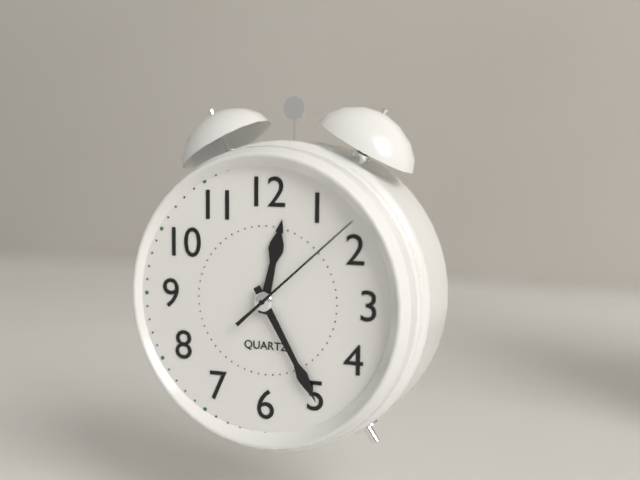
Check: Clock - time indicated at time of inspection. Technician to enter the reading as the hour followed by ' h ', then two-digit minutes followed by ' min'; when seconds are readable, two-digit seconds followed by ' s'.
12 h 25 min 08 s
